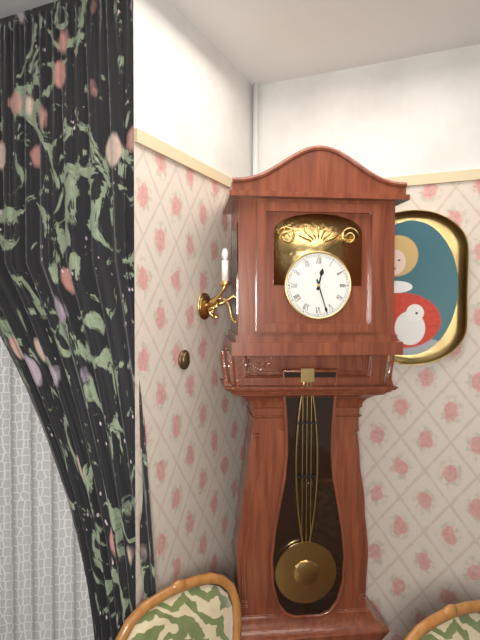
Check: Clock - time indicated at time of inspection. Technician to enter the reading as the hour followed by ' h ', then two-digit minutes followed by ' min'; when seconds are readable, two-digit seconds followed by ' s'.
12 h 27 min
